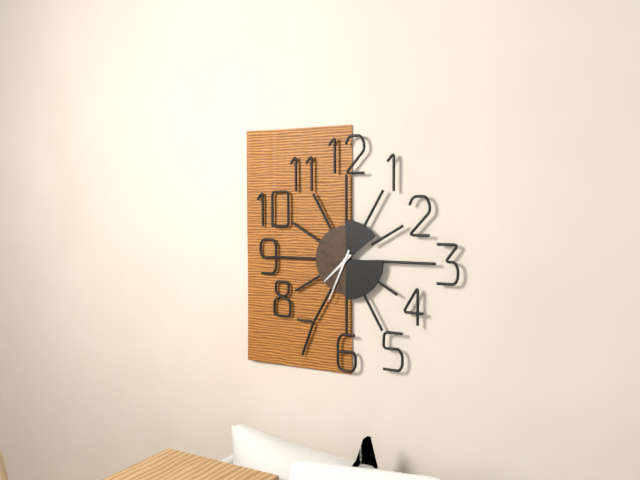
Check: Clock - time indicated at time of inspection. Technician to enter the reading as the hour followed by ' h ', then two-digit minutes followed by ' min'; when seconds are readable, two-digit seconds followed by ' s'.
7 h 34 min
